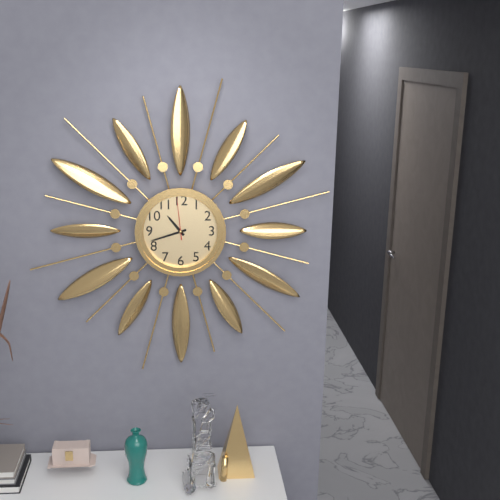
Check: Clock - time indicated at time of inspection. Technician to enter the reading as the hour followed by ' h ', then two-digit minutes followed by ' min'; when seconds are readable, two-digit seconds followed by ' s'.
10 h 42 min
